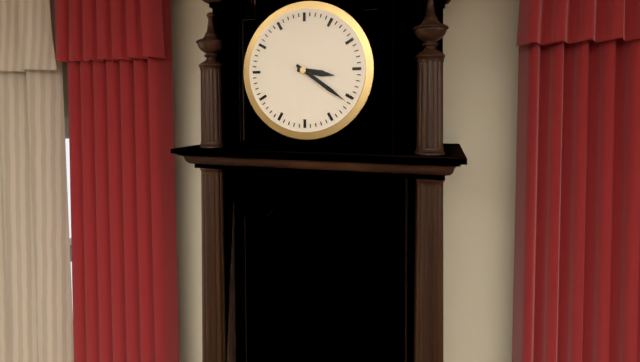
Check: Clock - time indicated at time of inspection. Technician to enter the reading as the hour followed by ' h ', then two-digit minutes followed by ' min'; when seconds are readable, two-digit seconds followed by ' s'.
3 h 21 min
